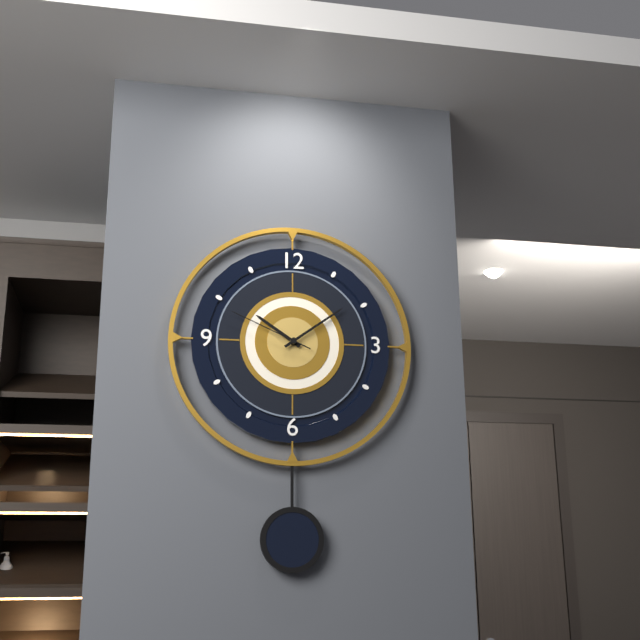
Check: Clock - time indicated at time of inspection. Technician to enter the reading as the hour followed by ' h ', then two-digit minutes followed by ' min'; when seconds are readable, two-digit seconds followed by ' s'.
10 h 09 min 49 s
